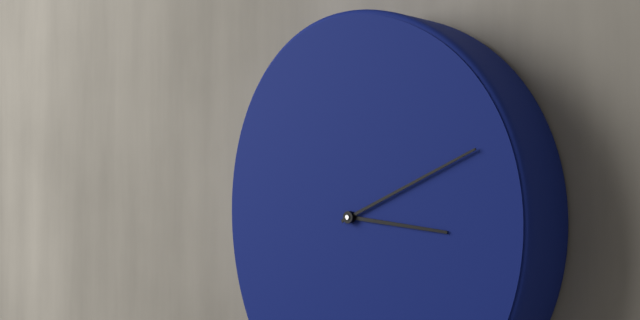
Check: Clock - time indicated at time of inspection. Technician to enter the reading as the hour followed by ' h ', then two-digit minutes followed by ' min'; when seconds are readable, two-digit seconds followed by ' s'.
3 h 11 min
